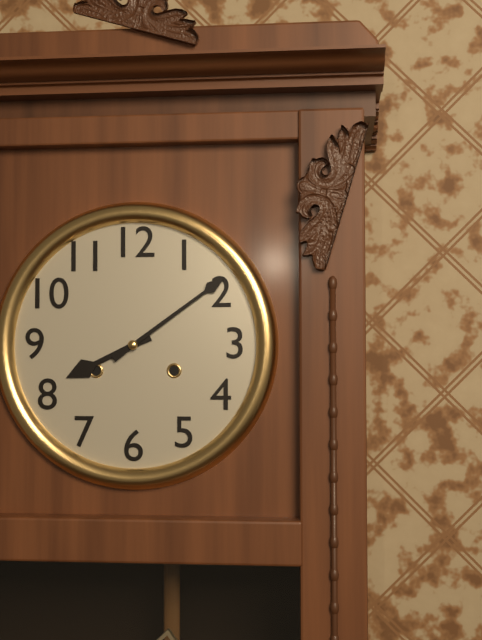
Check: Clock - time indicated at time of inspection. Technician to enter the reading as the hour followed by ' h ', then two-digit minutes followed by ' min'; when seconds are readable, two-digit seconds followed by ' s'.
8 h 09 min
